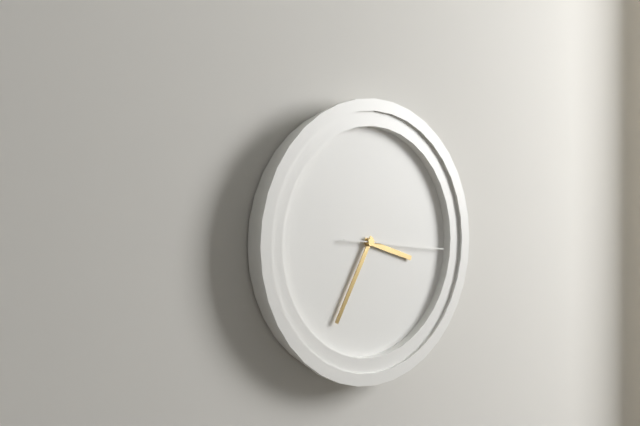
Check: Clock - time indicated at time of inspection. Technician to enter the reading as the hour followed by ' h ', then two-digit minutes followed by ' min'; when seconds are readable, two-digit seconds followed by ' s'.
3 h 35 min 16 s
